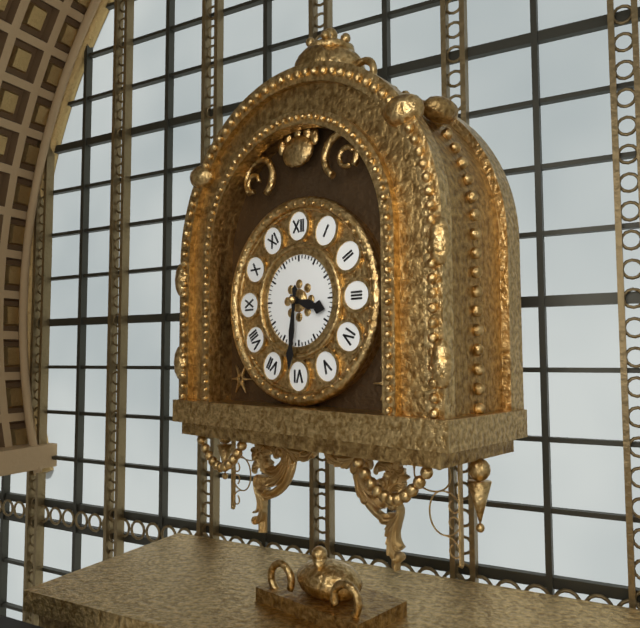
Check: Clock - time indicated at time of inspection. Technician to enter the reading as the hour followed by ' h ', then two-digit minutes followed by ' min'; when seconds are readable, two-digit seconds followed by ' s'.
3 h 31 min
